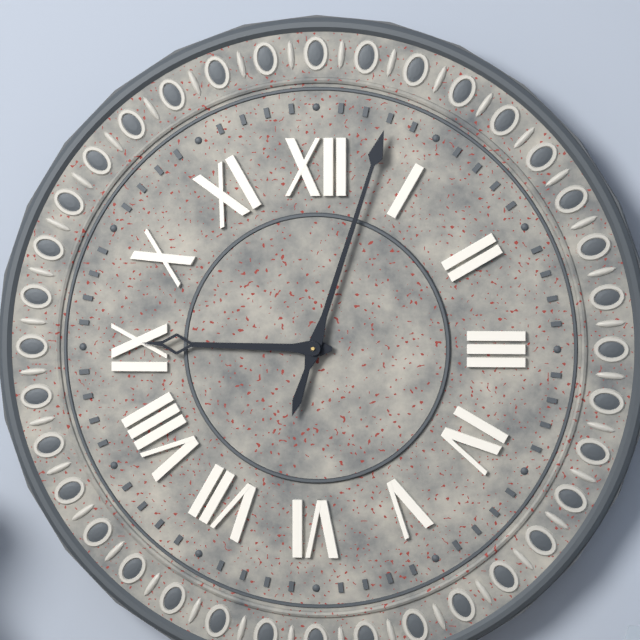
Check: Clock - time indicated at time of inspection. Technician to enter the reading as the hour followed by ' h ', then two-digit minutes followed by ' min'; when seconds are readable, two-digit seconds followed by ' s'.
9 h 03 min
